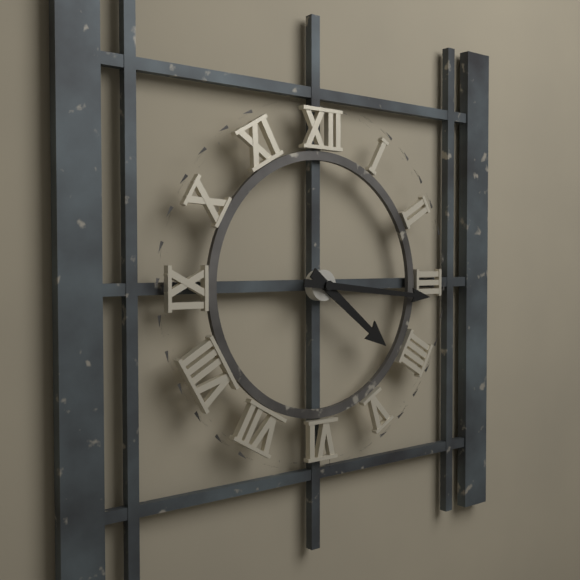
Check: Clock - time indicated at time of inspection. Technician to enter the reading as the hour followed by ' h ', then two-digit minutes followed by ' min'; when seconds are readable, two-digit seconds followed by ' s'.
4 h 16 min
